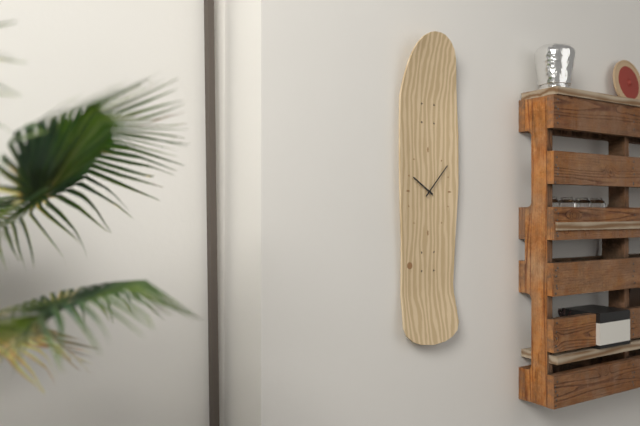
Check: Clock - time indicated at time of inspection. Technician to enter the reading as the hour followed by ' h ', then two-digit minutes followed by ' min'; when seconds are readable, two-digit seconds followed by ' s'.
10 h 07 min
